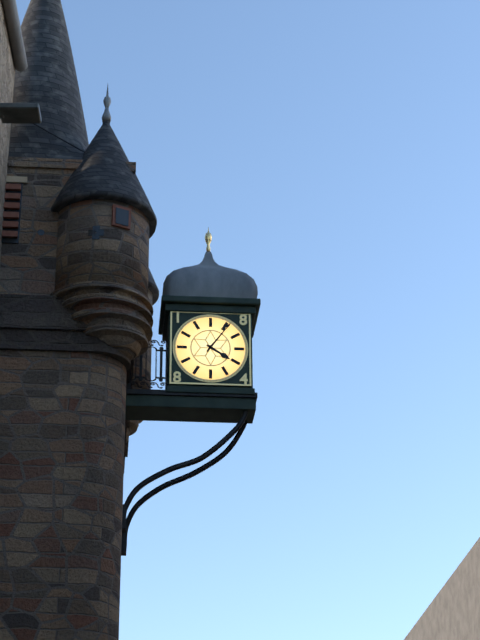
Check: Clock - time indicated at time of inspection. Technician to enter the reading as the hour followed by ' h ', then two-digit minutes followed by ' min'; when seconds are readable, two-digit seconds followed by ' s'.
4 h 06 min
